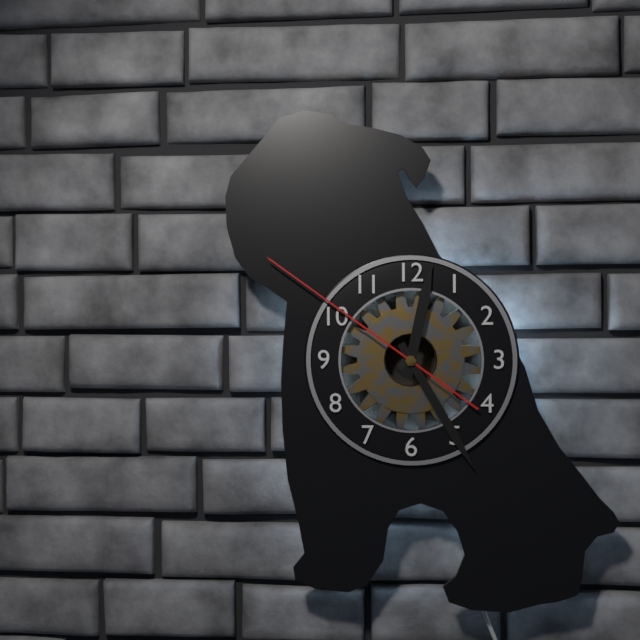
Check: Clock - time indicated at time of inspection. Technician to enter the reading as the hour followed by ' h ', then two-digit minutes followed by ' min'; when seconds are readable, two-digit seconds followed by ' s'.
12 h 25 min 51 s
